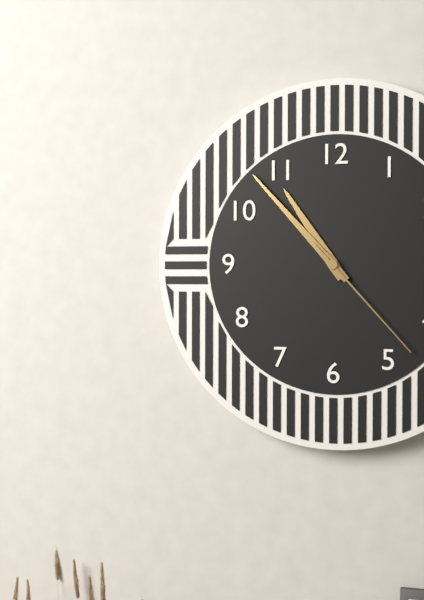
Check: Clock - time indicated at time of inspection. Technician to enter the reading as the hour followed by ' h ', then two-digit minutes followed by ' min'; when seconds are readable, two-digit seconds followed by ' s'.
10 h 53 min 23 s
